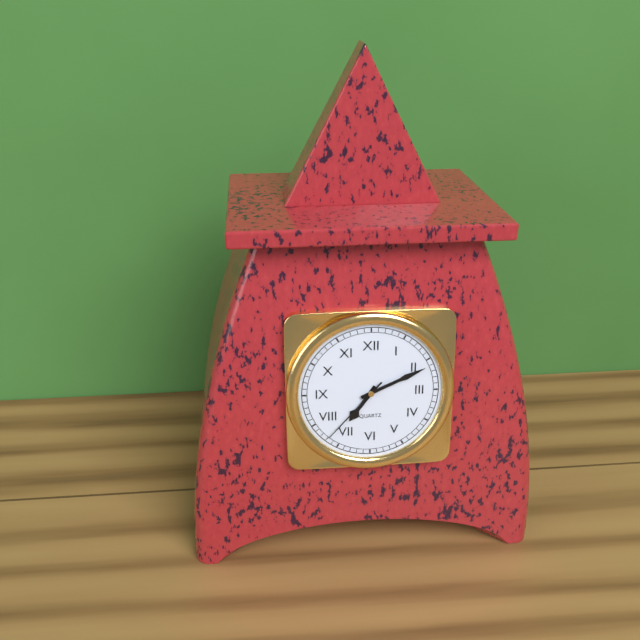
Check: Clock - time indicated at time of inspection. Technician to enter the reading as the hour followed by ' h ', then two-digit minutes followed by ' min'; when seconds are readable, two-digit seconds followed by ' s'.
7 h 11 min 37 s
